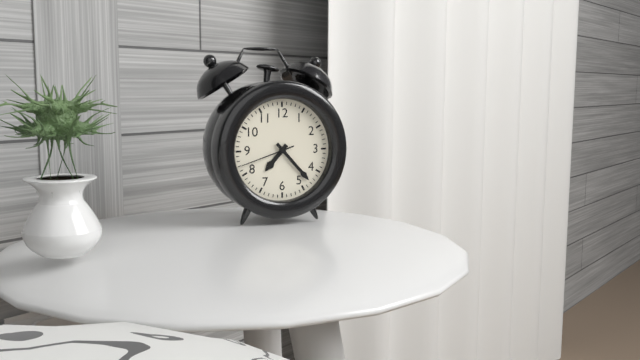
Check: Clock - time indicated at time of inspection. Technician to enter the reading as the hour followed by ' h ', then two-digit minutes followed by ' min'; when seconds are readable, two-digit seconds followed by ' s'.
7 h 23 min 42 s
